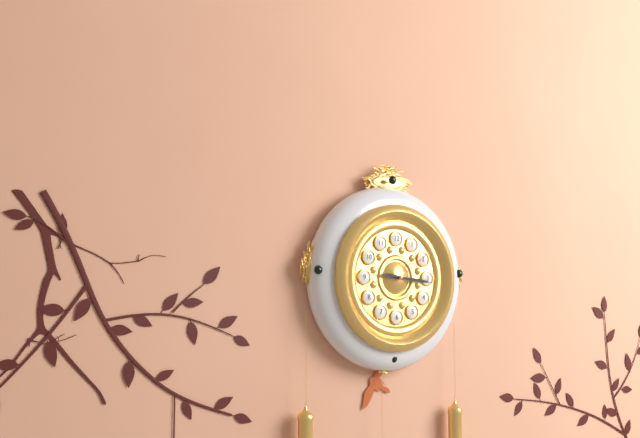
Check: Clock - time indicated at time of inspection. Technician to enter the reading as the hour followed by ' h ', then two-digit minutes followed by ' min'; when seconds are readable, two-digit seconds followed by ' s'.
9 h 16 min
